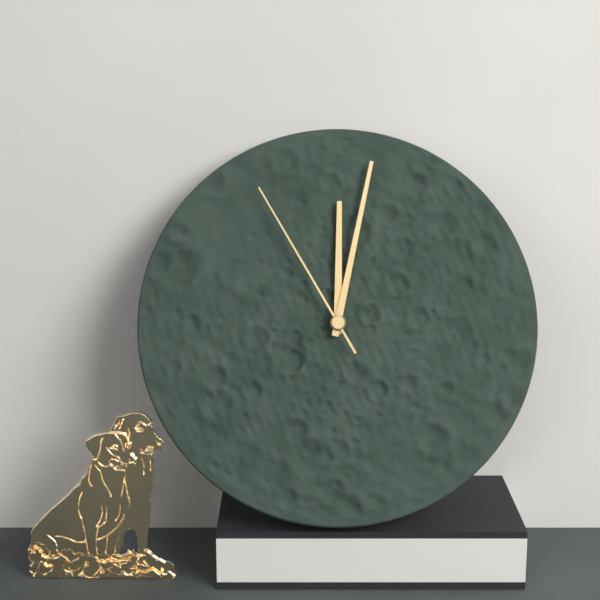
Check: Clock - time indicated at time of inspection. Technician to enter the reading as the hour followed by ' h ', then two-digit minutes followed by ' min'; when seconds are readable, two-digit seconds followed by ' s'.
12 h 02 min 55 s
